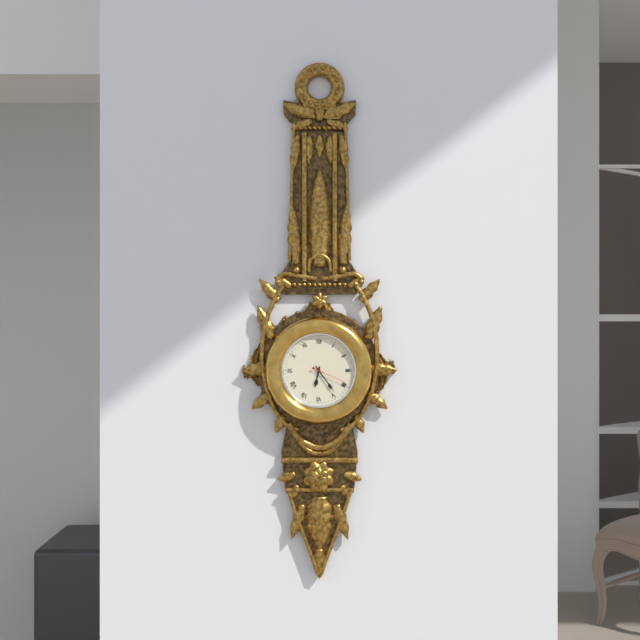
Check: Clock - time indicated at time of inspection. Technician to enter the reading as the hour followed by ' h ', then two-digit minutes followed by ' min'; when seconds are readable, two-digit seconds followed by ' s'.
6 h 24 min
